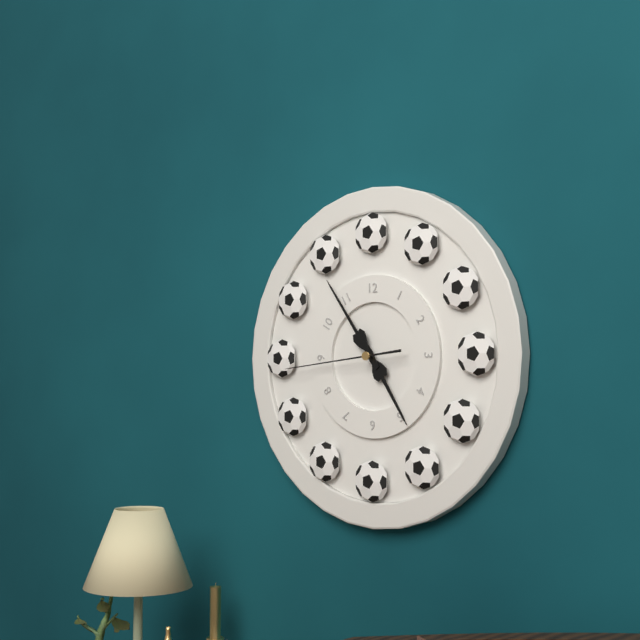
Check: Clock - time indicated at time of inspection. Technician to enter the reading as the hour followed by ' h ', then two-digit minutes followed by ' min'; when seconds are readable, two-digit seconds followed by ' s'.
4 h 54 min 44 s
